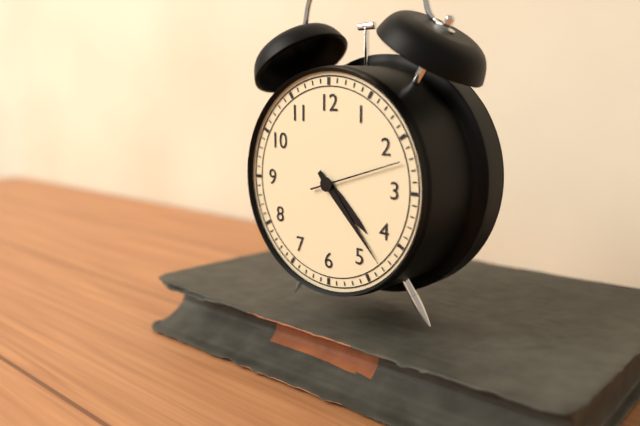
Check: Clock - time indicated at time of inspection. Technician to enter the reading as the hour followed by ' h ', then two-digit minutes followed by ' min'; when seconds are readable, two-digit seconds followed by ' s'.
4 h 23 min 12 s
